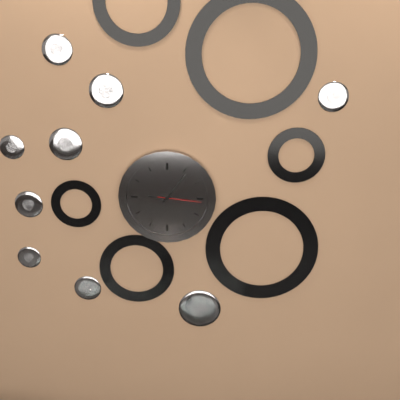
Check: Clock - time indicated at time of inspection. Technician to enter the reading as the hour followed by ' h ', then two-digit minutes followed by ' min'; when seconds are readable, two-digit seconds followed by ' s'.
9 h 06 min
